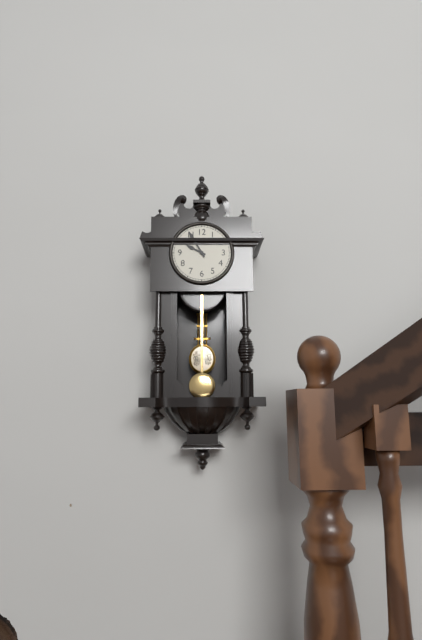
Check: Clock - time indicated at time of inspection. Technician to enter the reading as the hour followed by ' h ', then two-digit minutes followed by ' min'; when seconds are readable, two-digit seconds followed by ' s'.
9 h 55 min
